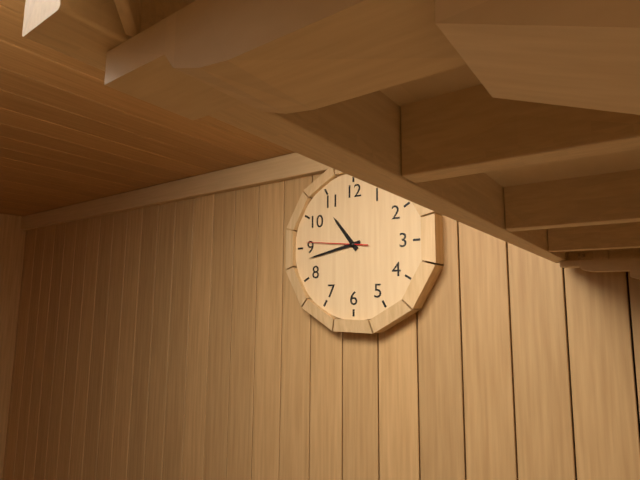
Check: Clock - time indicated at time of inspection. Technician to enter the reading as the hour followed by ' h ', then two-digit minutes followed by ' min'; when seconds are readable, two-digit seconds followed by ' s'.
10 h 43 min 46 s
